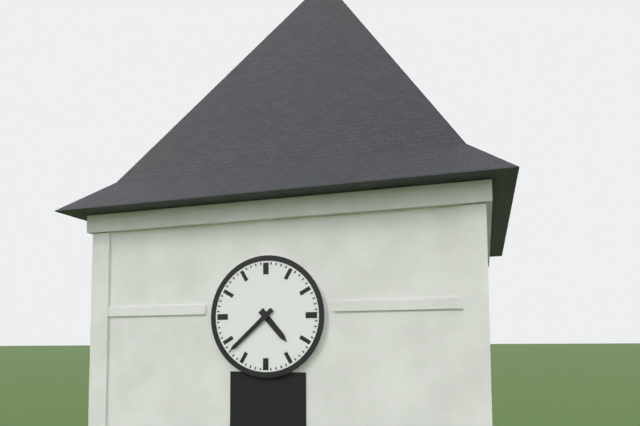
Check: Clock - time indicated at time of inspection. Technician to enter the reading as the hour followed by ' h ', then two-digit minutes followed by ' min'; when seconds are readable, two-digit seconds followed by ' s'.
4 h 38 min
